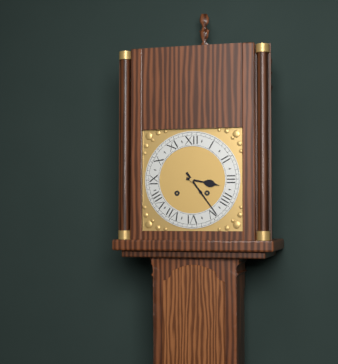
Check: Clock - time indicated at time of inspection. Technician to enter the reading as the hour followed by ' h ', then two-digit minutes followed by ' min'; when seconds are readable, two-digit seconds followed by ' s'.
3 h 24 min
